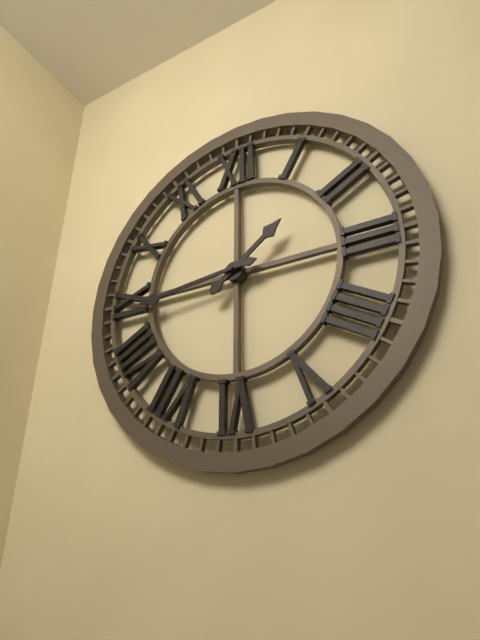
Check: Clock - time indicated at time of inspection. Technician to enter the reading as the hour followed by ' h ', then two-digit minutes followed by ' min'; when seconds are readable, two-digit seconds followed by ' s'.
1 h 44 min
